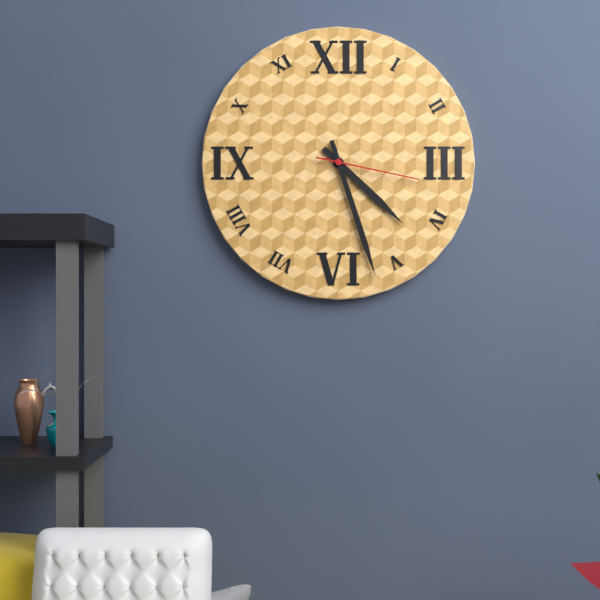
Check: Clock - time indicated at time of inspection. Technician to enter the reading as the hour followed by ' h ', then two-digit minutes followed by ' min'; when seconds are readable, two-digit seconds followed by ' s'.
4 h 27 min 17 s
